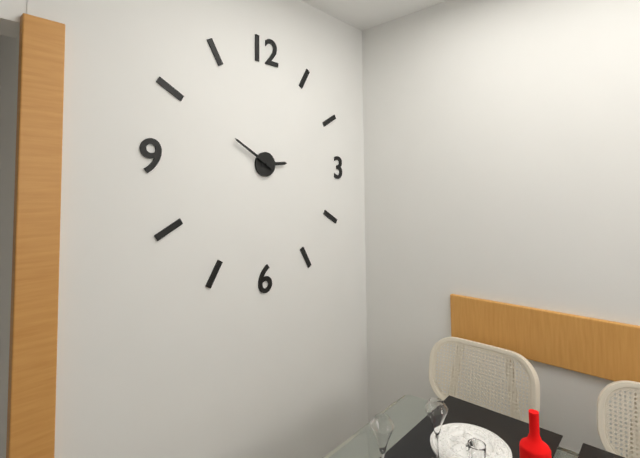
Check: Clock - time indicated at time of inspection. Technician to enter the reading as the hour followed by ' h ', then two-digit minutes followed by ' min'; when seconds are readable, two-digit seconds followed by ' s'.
2 h 50 min
